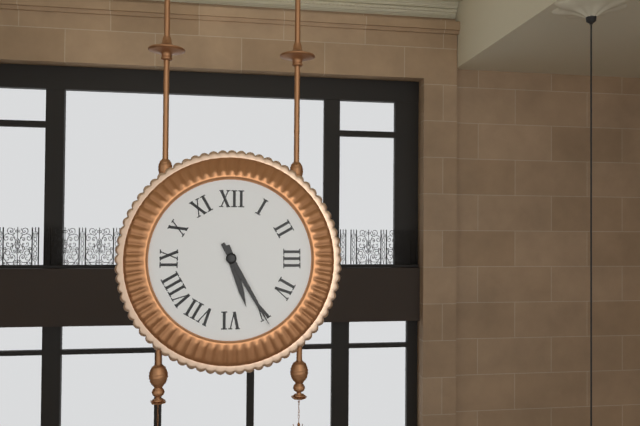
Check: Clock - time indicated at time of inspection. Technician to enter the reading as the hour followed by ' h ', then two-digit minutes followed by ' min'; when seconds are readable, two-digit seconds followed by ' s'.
5 h 25 min
